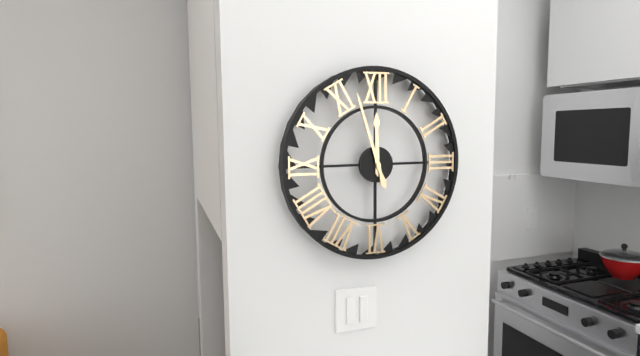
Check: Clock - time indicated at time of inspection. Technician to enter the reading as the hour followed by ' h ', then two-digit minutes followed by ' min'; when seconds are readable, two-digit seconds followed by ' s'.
11 h 57 min
